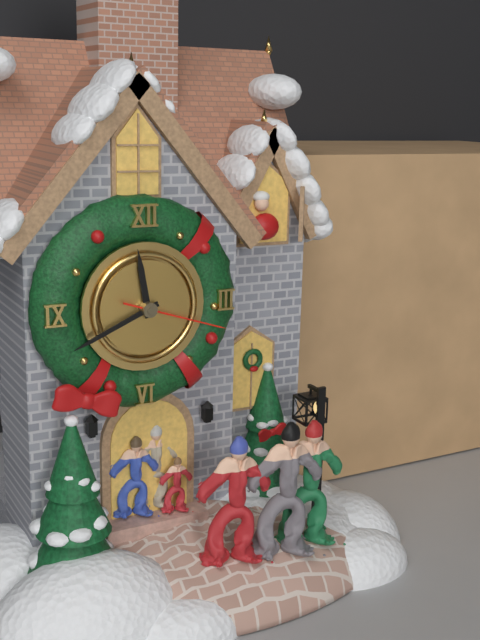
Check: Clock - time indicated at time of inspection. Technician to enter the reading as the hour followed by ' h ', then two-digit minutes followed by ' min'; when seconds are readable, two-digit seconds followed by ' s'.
11 h 41 min 18 s
